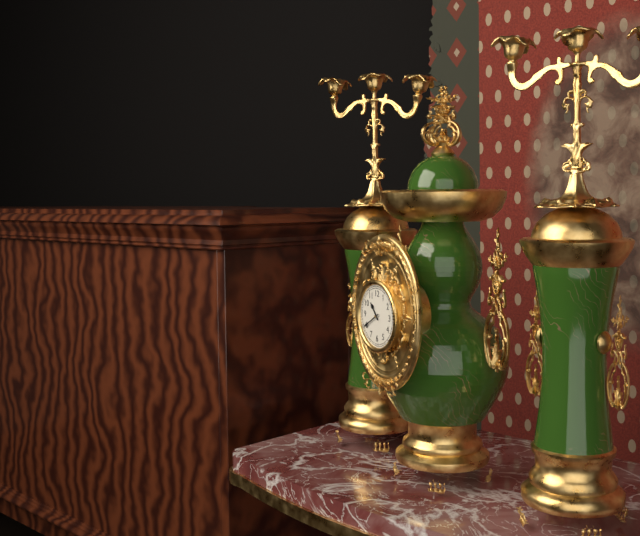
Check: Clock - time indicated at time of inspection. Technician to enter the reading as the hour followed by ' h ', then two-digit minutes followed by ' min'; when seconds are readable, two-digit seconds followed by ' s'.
10 h 40 min
